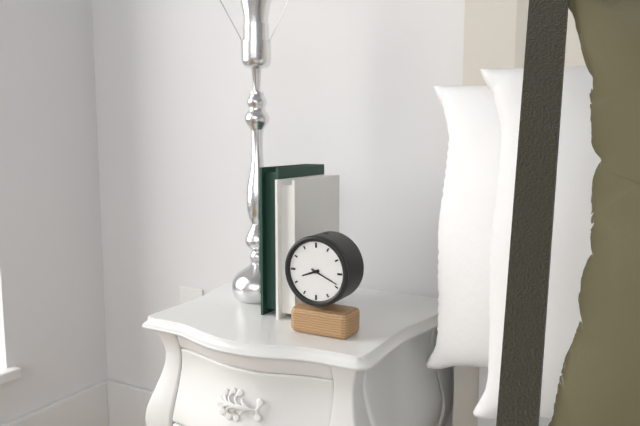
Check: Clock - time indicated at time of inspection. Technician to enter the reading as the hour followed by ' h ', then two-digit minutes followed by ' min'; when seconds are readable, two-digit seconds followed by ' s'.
8 h 19 min
